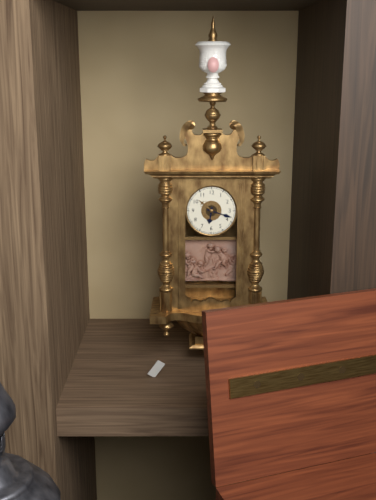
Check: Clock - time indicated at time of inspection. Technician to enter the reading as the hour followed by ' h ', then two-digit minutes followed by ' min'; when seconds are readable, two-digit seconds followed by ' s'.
6 h 18 min
